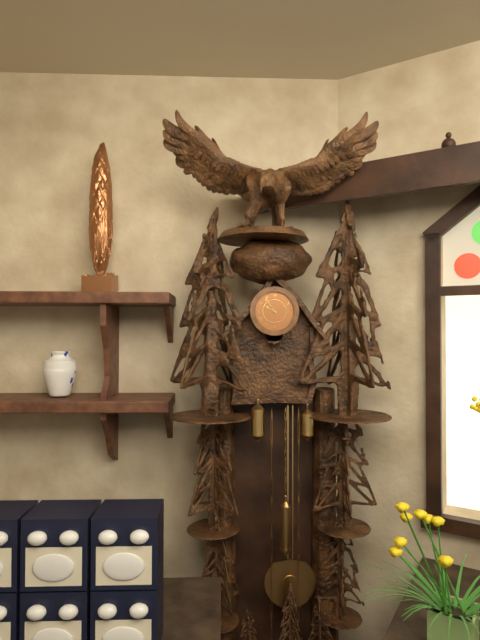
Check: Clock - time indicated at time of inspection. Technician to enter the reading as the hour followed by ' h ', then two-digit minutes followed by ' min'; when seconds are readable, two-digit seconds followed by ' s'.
9 h 54 min
